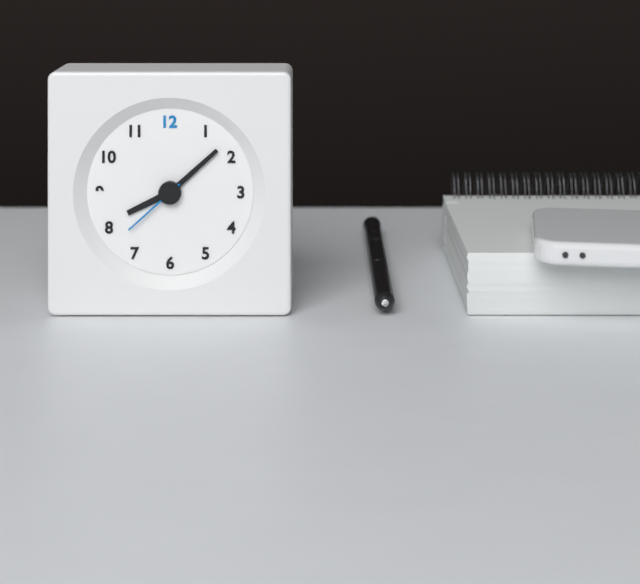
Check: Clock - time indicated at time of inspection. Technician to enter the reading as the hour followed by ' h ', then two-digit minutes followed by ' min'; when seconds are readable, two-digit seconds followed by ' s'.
8 h 08 min 38 s
